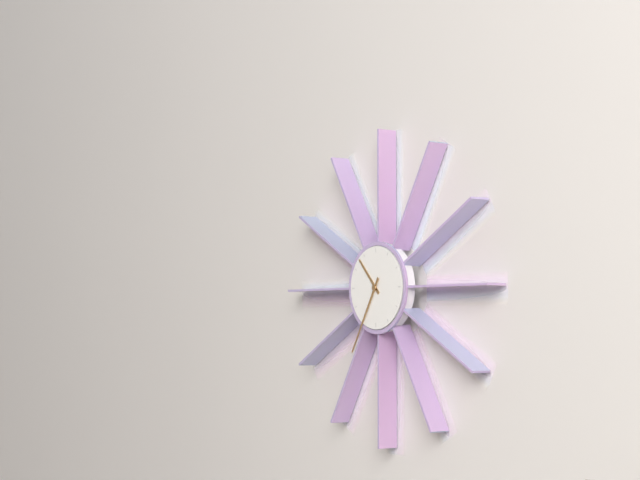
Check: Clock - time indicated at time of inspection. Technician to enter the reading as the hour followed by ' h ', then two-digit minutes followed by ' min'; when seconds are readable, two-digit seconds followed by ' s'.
10 h 35 min
